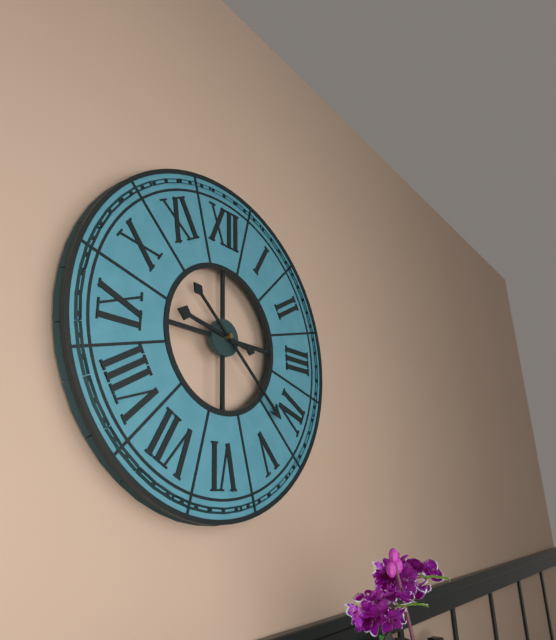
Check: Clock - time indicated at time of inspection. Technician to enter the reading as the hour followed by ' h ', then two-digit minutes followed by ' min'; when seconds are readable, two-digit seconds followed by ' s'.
9 h 22 min
